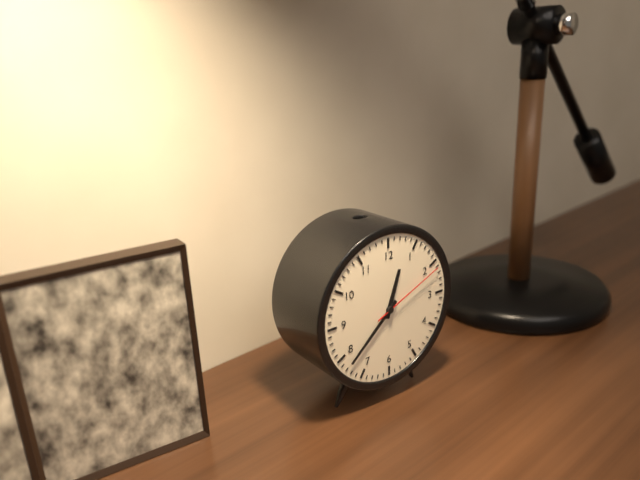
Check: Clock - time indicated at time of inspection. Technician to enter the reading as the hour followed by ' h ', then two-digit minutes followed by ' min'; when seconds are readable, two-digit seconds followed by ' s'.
12 h 38 min 11 s
